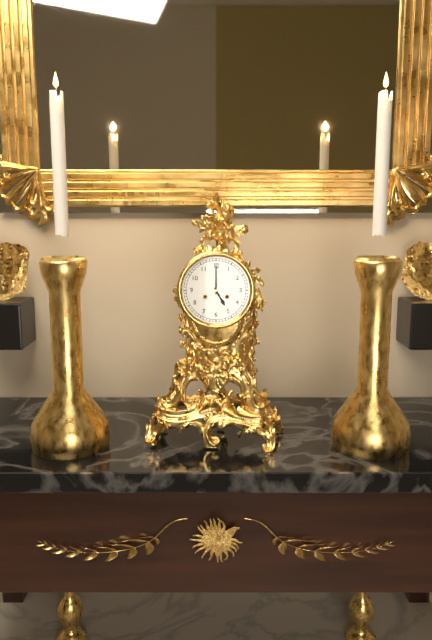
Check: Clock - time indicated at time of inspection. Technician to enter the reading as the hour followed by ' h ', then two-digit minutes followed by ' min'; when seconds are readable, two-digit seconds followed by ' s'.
5 h 00 min
